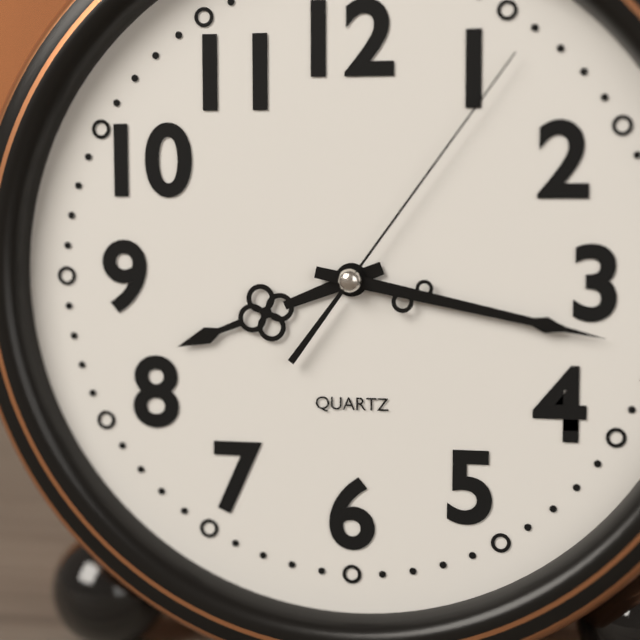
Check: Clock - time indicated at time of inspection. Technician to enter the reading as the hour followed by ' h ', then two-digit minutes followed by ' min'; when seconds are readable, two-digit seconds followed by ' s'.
8 h 17 min 06 s
